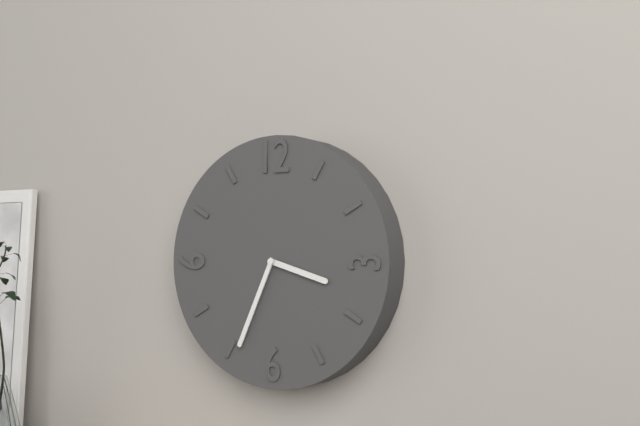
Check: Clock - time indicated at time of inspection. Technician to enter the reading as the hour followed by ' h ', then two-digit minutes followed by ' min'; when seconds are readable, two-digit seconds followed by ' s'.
3 h 34 min
